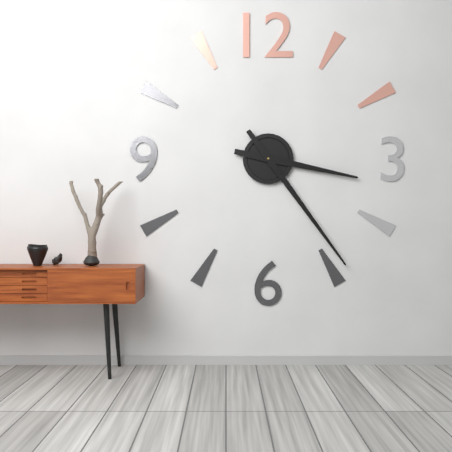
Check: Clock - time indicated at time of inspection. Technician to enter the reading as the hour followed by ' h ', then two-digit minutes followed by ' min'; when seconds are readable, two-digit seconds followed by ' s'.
3 h 24 min
